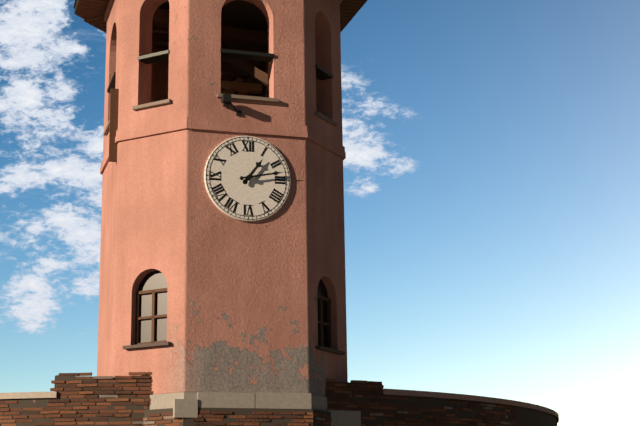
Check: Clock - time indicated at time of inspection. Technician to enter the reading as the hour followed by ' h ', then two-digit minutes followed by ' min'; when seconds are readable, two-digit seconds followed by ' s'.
1 h 13 min
